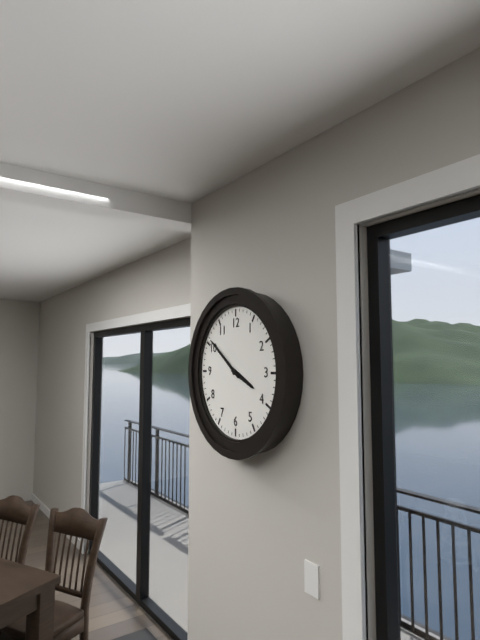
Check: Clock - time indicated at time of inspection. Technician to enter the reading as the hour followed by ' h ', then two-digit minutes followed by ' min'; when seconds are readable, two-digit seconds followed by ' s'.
3 h 51 min
